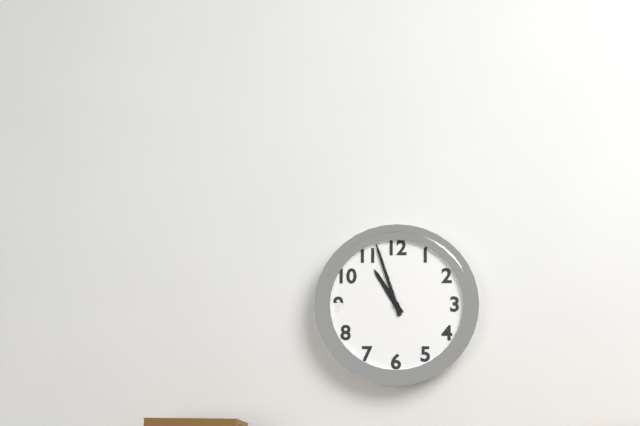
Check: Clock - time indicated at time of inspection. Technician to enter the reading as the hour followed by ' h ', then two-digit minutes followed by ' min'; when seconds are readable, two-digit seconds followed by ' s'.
10 h 57 min
